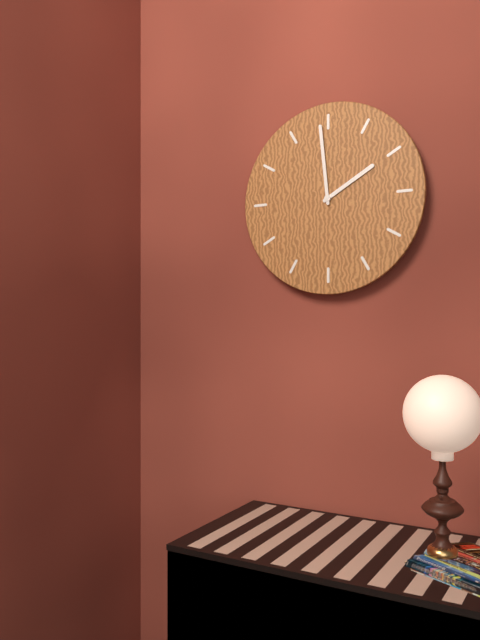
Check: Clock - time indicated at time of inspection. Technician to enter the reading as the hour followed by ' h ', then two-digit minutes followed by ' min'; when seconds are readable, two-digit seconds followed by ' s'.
1 h 59 min
